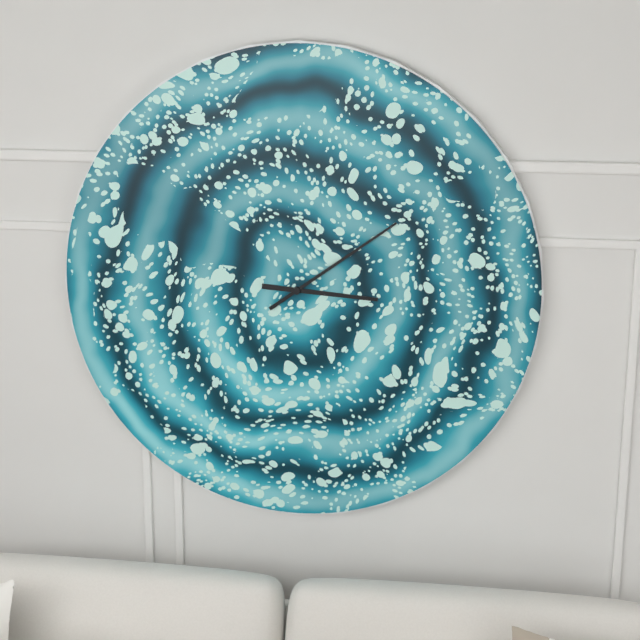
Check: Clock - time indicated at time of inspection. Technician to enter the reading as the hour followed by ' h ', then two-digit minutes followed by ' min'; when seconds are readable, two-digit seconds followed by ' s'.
3 h 09 min
